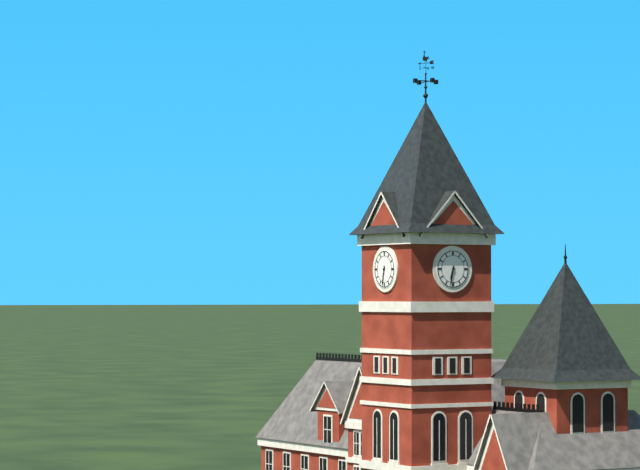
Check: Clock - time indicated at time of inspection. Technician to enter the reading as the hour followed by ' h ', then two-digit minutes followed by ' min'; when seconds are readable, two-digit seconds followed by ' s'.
6 h 32 min
